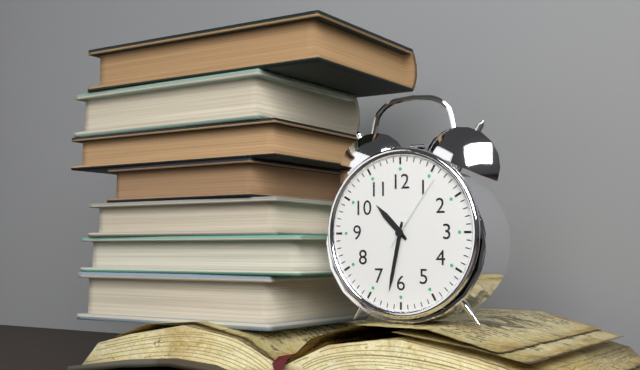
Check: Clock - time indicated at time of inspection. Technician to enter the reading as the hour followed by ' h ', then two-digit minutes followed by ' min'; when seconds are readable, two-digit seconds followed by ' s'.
10 h 32 min 06 s
